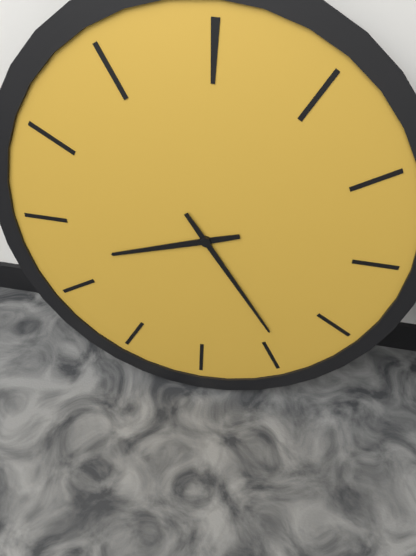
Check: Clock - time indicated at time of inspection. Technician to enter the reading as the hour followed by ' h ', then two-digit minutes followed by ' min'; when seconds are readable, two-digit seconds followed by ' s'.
8 h 24 min
